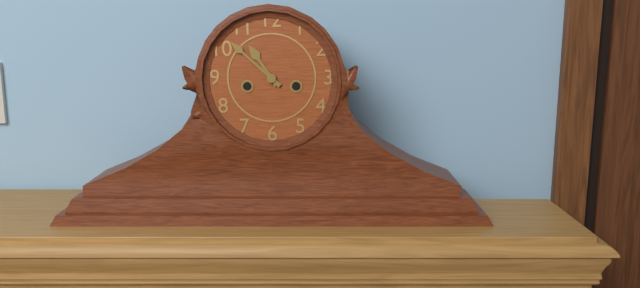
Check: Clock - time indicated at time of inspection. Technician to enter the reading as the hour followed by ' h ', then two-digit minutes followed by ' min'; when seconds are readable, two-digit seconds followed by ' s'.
10 h 52 min
